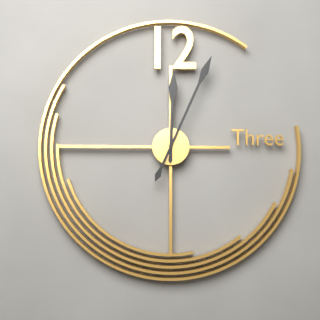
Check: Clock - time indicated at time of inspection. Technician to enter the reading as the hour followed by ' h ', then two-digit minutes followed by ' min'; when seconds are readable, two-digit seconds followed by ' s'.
12 h 04 min
